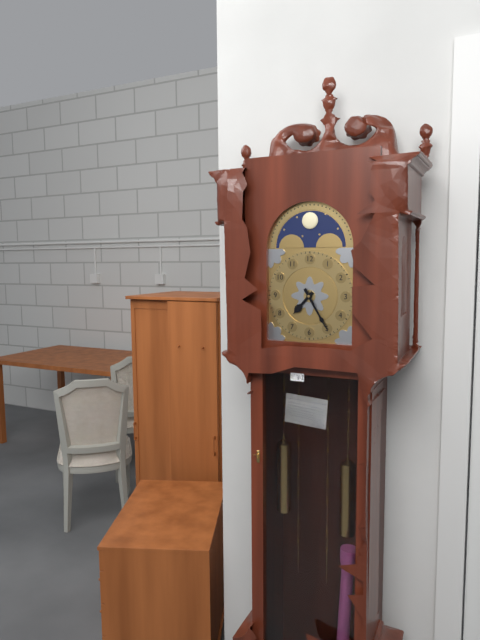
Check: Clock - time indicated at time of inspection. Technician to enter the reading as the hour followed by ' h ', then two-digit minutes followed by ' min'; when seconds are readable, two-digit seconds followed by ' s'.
7 h 25 min
